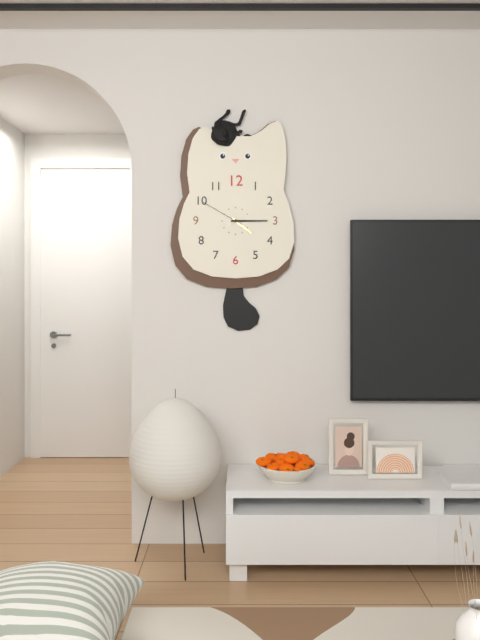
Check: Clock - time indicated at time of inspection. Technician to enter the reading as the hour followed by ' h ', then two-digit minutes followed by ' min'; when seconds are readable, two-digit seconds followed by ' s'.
4 h 15 min
